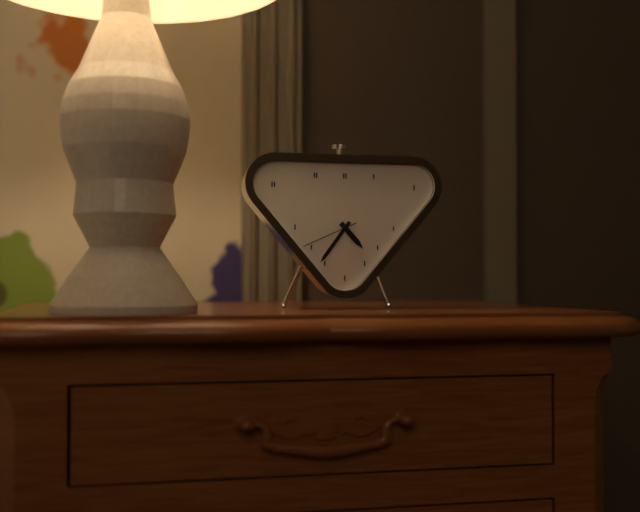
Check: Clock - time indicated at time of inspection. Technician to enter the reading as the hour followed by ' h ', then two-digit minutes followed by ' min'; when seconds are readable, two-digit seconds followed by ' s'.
4 h 36 min 41 s
